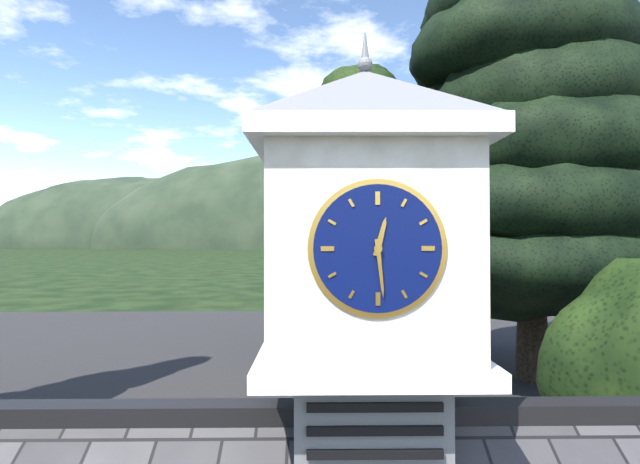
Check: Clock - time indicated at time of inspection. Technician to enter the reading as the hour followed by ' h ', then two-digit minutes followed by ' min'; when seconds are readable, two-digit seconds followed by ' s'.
12 h 29 min
